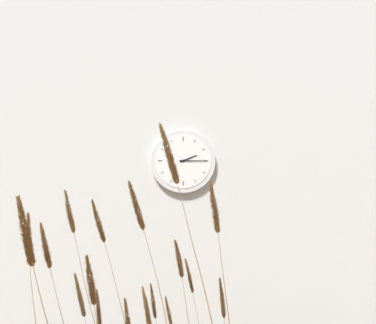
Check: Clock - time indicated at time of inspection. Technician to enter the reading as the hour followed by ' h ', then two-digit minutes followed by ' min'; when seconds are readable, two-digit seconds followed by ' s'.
2 h 15 min
